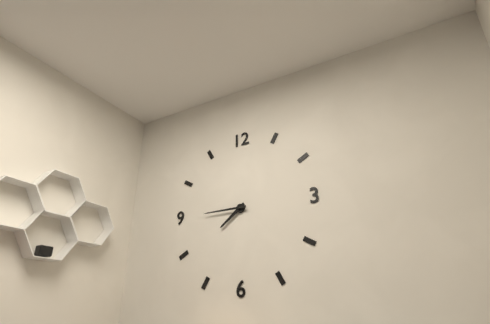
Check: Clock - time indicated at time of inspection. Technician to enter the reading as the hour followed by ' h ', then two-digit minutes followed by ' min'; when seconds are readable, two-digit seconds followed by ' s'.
7 h 45 min
